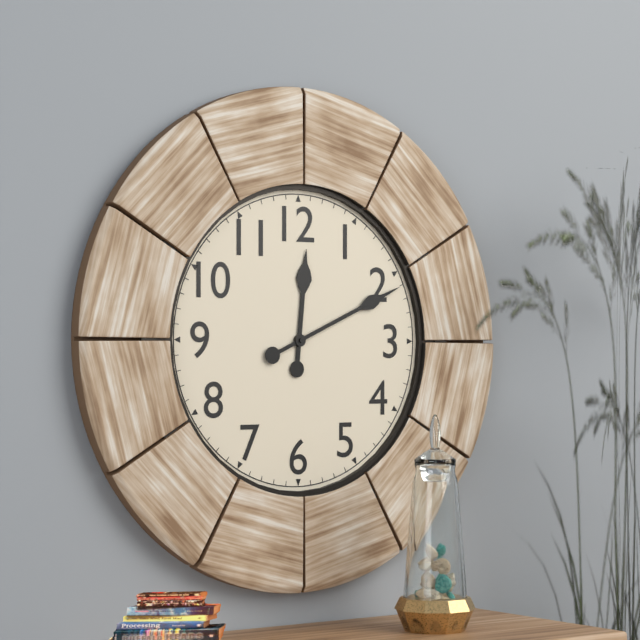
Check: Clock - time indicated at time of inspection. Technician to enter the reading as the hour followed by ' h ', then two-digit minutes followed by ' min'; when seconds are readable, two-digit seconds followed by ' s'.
12 h 11 min
